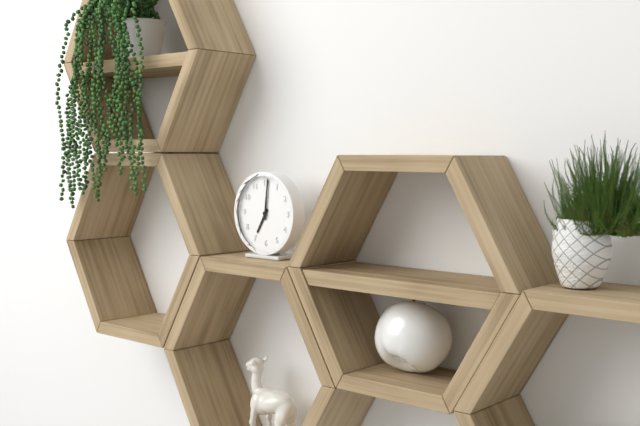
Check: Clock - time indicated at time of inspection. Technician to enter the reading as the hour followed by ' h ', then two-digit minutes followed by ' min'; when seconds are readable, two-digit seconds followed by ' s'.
7 h 01 min
